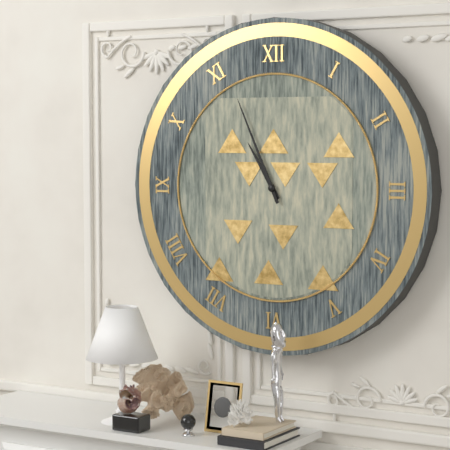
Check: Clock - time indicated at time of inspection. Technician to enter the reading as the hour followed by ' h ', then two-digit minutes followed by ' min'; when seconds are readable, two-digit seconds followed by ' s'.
10 h 56 min
